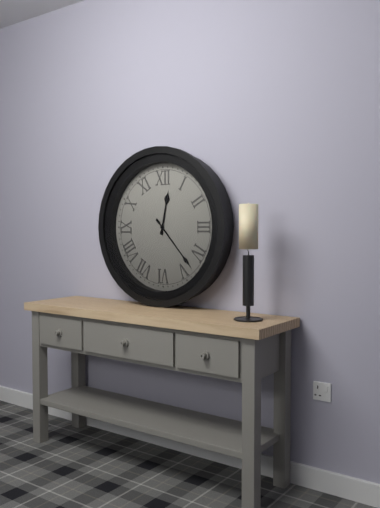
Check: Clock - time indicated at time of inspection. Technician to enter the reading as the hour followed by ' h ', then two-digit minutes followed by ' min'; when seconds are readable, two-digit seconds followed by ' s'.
12 h 23 min
